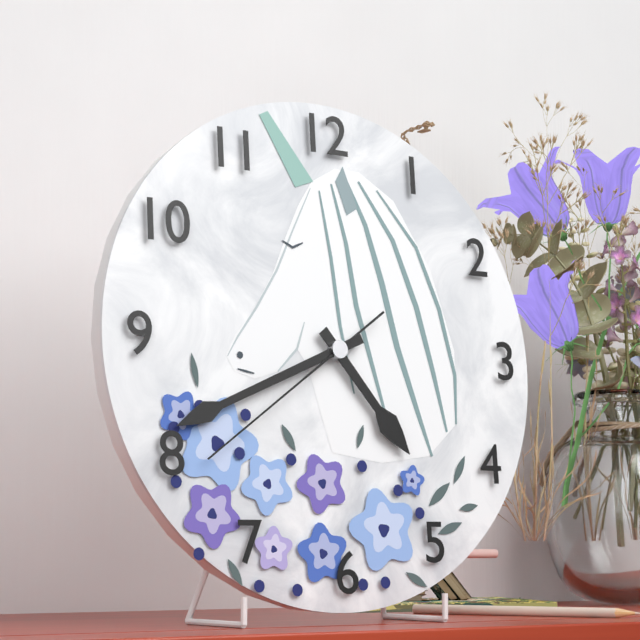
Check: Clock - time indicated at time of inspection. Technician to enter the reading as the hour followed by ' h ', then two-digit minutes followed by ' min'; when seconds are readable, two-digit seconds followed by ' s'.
4 h 41 min 39 s
